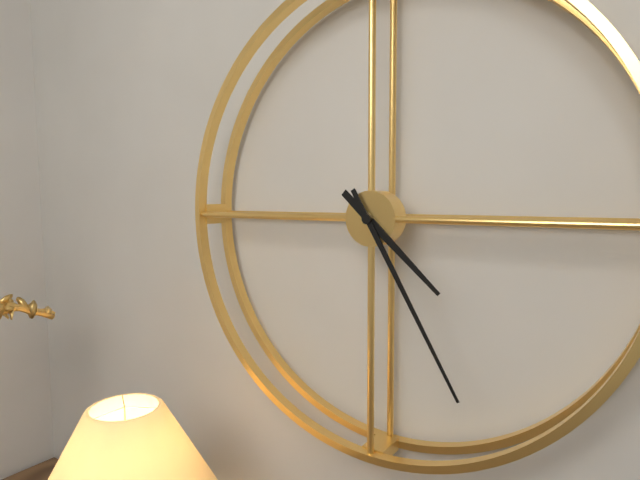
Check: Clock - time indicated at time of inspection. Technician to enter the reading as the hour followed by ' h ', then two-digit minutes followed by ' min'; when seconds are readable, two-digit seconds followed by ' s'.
4 h 25 min
